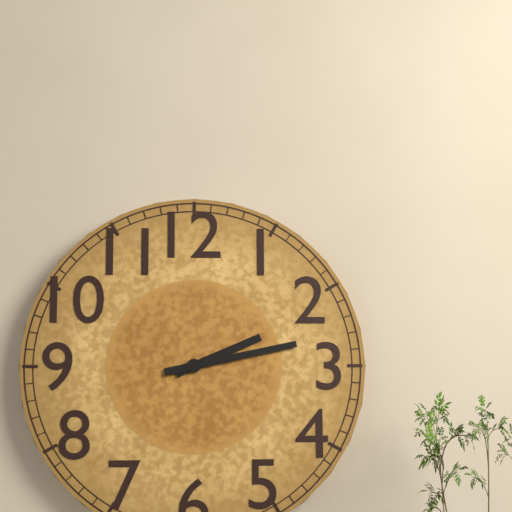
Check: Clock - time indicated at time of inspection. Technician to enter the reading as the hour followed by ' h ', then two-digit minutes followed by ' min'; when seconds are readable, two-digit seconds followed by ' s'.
2 h 13 min
